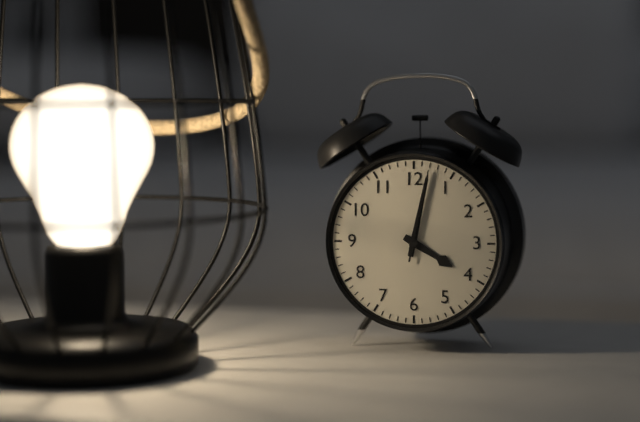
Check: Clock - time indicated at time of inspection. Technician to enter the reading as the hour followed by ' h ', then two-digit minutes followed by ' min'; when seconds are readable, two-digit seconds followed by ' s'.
4 h 02 min 02 s
